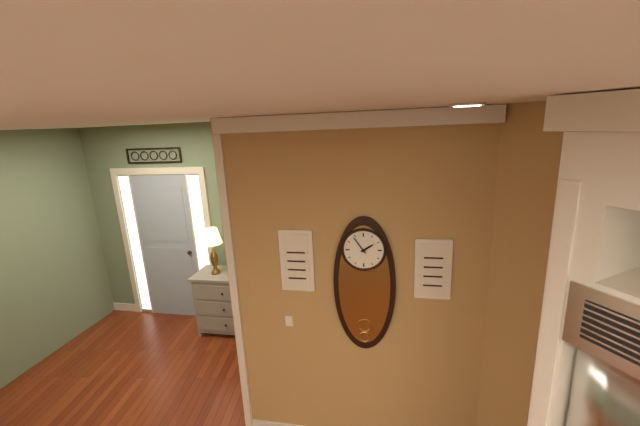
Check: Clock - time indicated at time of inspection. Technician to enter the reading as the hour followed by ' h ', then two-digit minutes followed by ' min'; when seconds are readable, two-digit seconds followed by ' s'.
1 h 54 min
